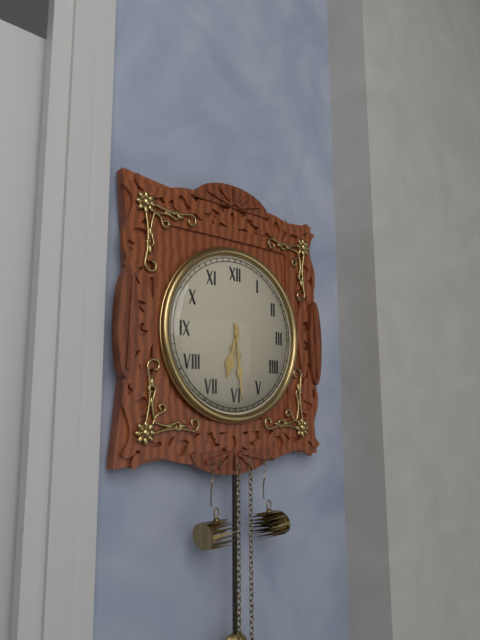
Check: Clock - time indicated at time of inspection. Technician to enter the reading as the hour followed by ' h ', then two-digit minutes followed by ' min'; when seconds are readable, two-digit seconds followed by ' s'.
6 h 29 min
